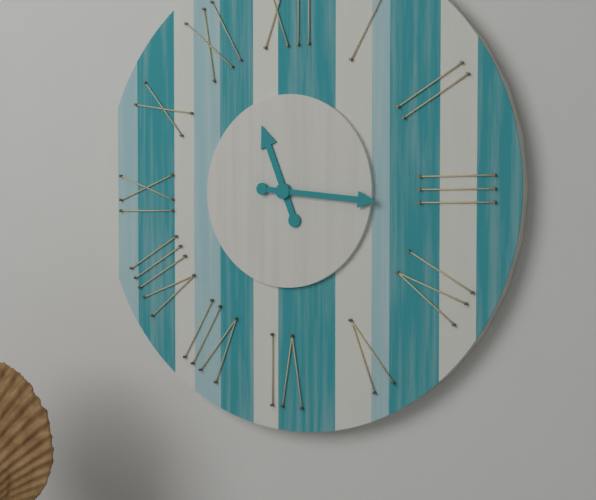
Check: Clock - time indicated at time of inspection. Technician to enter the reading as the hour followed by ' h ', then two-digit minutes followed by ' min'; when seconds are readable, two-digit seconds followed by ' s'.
11 h 16 min
